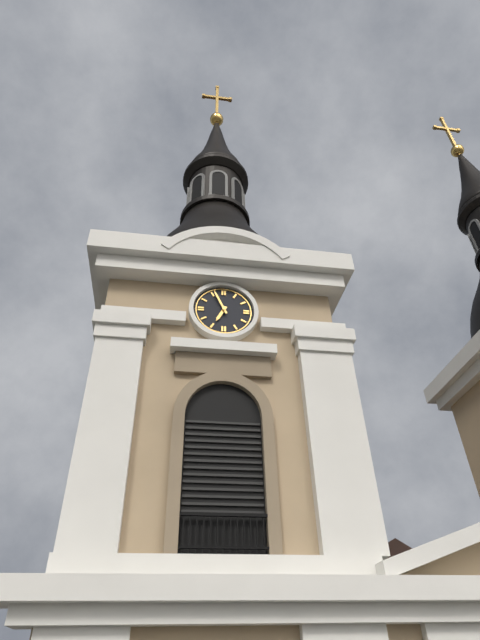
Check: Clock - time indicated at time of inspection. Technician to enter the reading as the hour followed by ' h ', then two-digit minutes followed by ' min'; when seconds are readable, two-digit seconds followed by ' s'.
6 h 56 min
